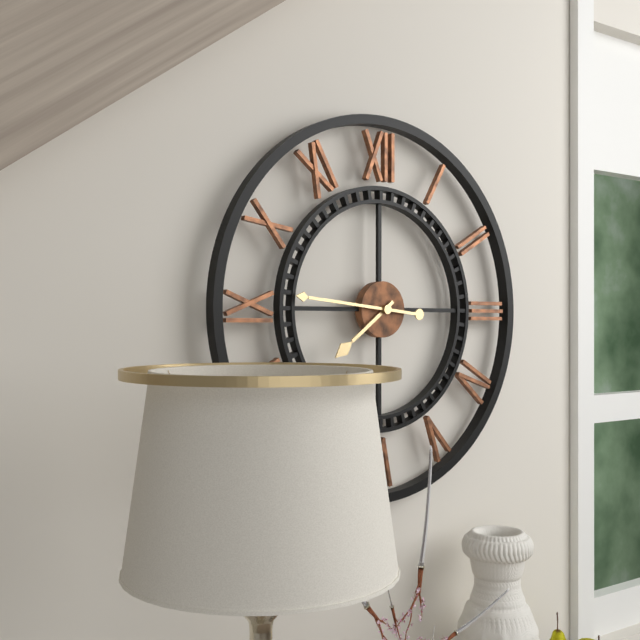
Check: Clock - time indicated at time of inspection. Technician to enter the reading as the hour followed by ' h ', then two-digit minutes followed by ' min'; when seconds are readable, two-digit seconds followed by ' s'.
7 h 46 min
